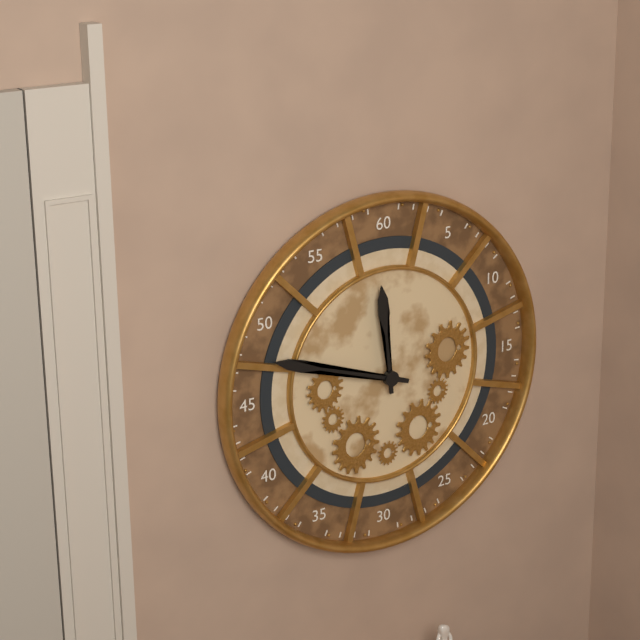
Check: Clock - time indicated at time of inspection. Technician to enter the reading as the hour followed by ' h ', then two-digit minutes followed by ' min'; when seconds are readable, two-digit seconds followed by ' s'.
11 h 48 min
